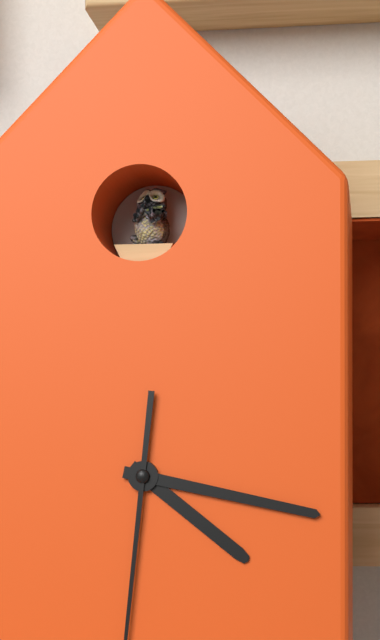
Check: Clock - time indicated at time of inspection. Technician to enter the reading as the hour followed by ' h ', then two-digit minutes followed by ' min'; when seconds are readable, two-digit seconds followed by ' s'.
4 h 17 min
